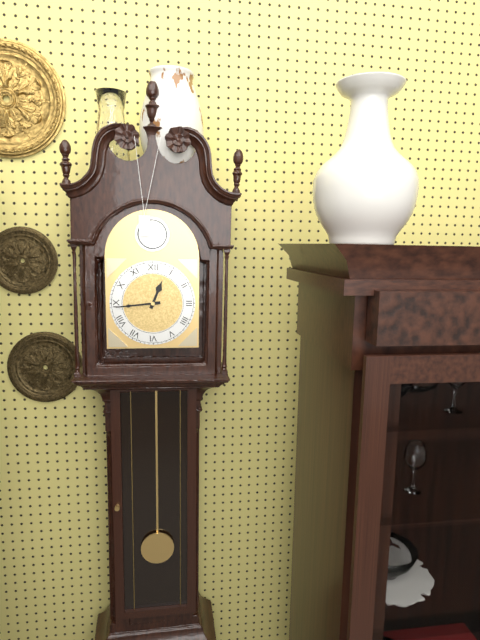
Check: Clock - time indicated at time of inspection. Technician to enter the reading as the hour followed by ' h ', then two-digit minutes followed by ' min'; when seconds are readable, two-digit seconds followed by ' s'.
12 h 44 min
